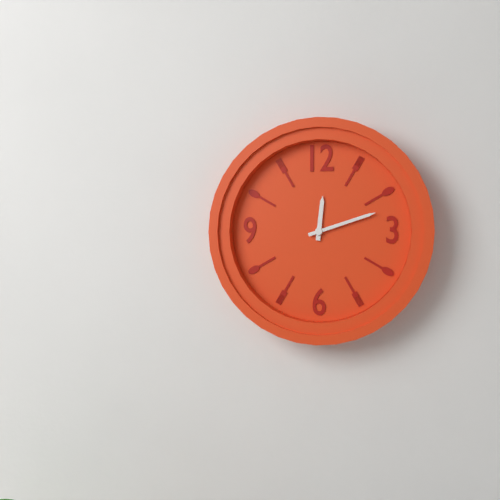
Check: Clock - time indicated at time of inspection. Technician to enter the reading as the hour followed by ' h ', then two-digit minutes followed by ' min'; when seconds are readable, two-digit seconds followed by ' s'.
12 h 12 min
